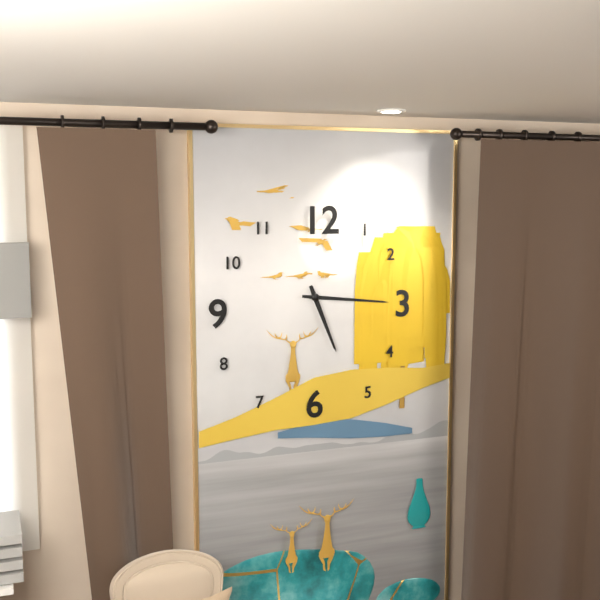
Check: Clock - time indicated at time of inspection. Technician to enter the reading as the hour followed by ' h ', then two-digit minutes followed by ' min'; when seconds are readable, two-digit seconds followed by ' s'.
5 h 16 min
